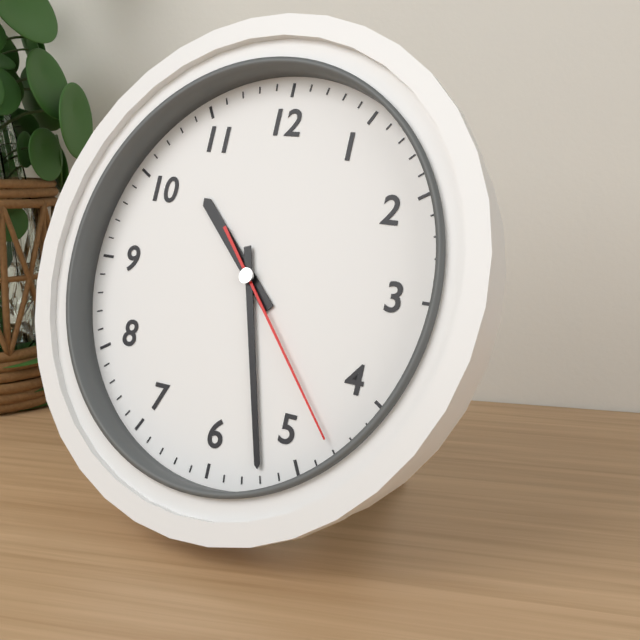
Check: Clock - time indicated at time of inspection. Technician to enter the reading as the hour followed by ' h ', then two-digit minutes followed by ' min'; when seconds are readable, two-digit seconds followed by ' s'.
10 h 27 min 23 s
